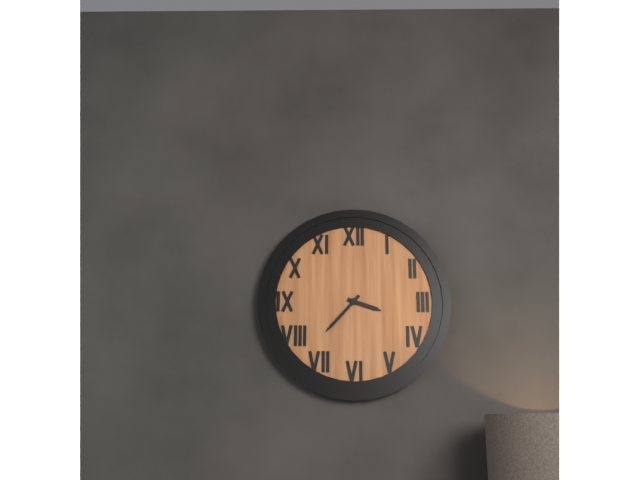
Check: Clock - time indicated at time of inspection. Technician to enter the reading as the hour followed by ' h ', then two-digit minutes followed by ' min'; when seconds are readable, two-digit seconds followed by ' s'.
3 h 37 min
